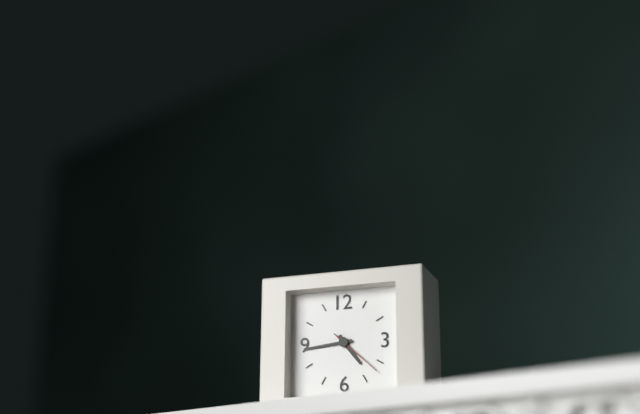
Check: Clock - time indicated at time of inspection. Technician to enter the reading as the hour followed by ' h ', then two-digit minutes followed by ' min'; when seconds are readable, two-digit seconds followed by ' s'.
4 h 44 min 22 s
